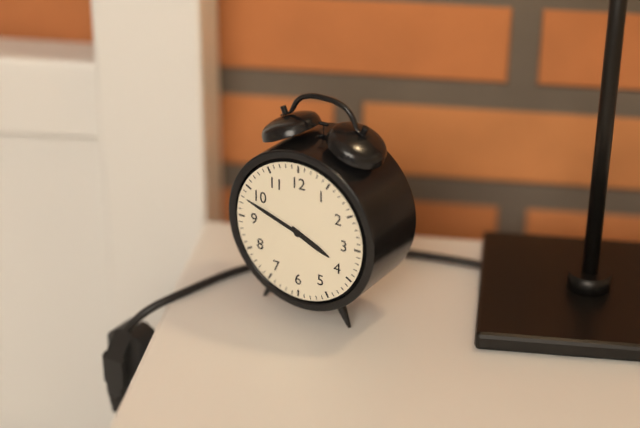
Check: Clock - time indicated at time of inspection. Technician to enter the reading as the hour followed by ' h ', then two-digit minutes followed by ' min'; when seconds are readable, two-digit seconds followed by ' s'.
3 h 48 min
